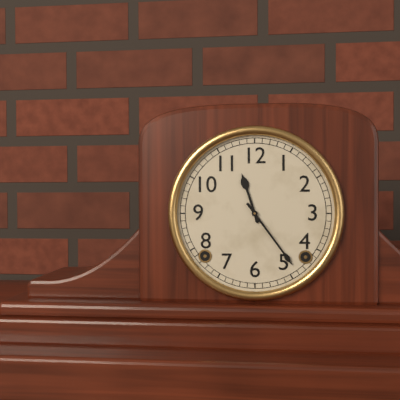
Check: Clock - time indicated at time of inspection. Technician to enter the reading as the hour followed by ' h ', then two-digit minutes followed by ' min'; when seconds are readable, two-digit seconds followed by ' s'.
11 h 24 min
